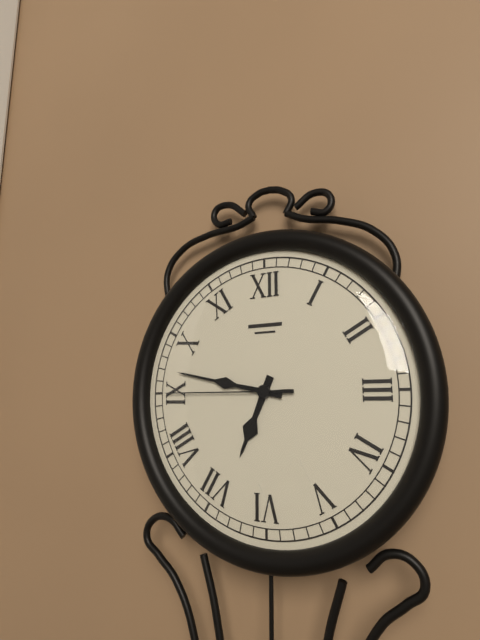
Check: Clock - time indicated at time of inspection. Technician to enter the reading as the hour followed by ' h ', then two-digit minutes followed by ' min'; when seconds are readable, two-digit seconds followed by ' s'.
6 h 47 min 45 s
